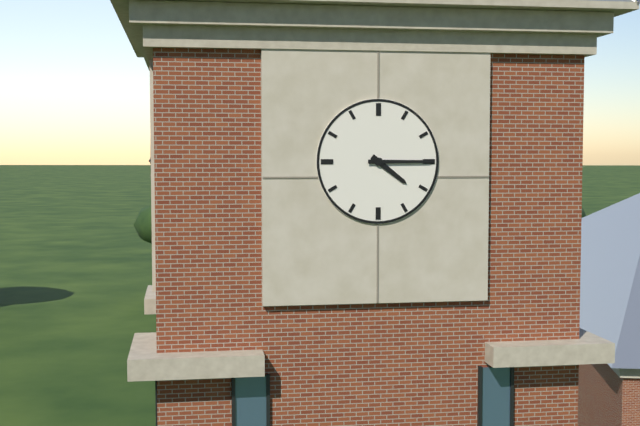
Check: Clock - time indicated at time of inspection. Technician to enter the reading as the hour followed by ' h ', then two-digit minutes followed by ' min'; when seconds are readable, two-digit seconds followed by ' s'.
4 h 15 min
